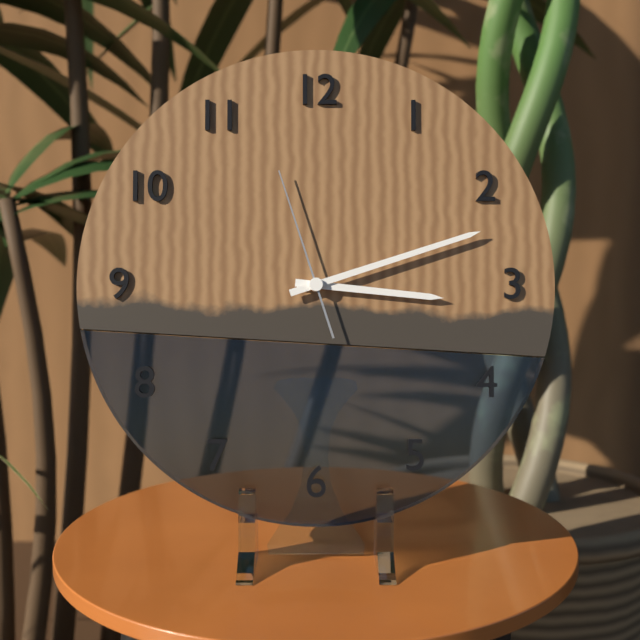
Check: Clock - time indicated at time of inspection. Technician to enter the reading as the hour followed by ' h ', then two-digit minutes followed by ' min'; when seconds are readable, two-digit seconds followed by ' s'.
3 h 12 min 57 s
